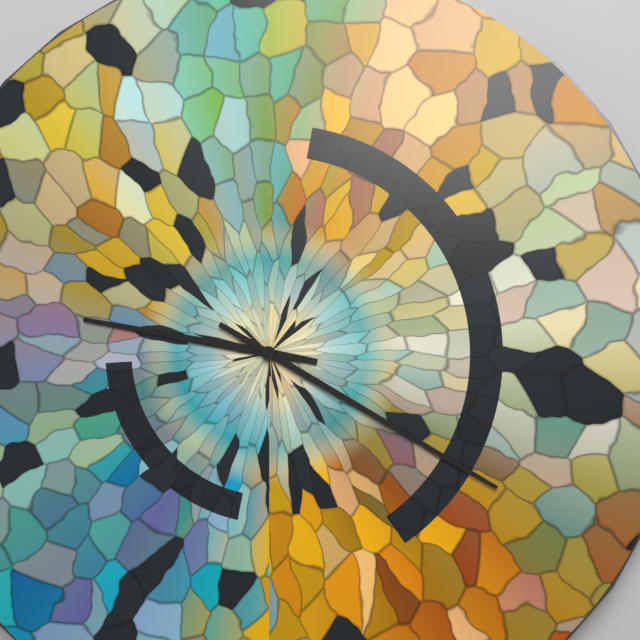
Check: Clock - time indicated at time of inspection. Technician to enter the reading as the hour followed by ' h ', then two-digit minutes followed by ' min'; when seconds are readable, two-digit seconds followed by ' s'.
9 h 20 min
